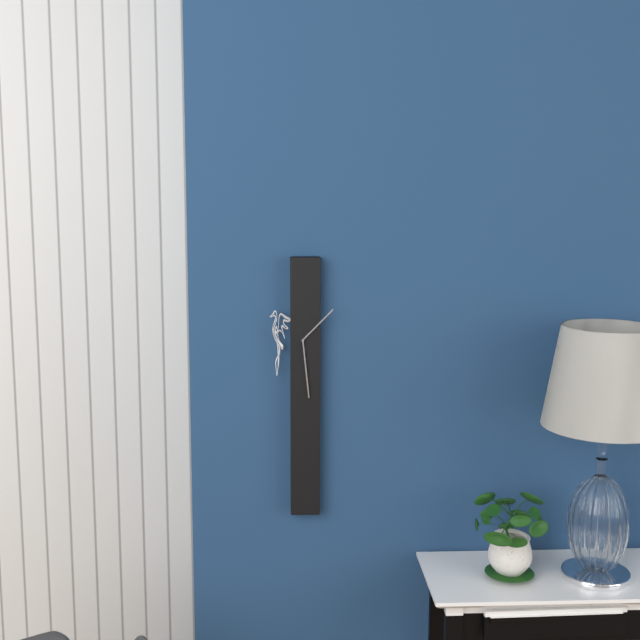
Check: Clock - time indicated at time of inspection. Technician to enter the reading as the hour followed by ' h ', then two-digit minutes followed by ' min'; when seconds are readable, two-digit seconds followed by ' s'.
1 h 29 min
